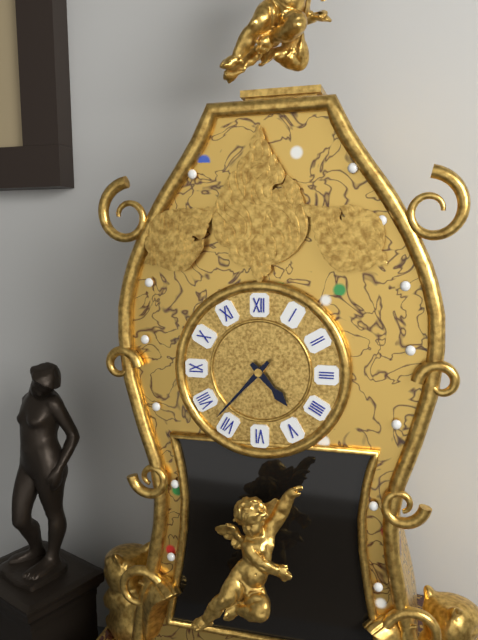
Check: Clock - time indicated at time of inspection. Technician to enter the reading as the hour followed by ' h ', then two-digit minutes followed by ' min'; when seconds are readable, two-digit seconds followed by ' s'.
4 h 37 min
